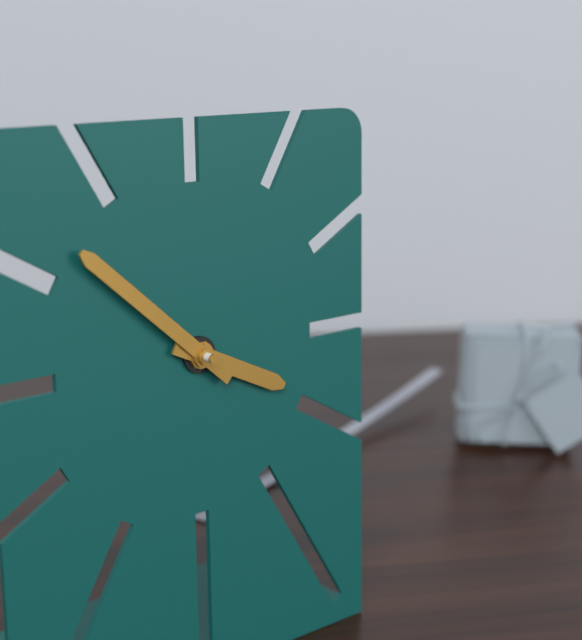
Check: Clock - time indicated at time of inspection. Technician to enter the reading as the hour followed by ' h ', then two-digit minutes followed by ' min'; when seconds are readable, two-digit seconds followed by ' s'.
3 h 52 min
